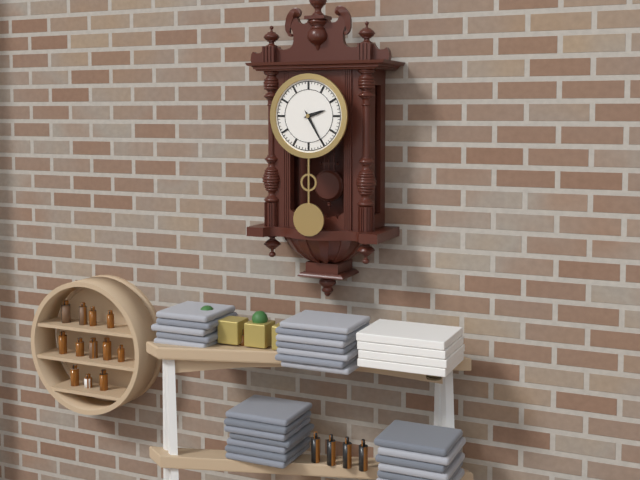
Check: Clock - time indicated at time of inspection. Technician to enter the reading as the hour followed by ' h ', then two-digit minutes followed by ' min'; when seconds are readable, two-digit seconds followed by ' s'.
2 h 25 min
